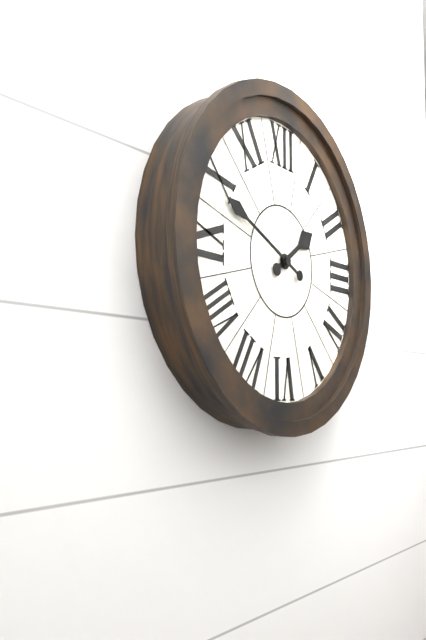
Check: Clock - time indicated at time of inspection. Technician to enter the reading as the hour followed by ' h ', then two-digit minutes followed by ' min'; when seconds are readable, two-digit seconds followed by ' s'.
1 h 49 min
